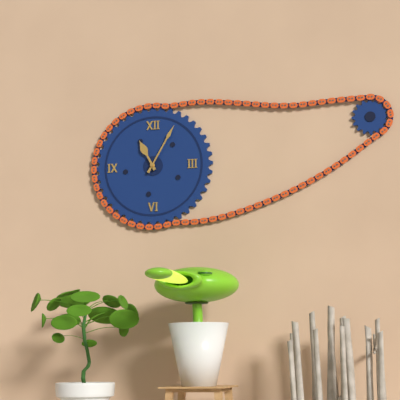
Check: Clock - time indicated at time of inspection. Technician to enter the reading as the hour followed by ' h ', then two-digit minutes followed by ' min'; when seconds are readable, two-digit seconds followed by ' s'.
11 h 05 min
